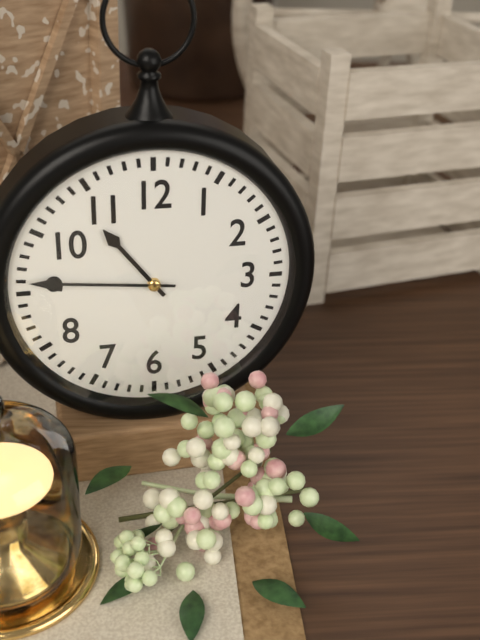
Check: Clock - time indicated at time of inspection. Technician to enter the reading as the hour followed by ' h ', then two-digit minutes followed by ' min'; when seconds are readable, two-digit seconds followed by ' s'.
10 h 46 min
